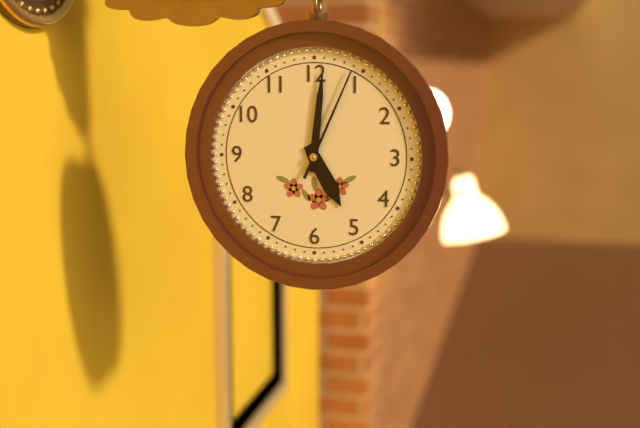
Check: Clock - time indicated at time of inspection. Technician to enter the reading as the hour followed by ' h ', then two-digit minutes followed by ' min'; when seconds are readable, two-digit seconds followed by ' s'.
5 h 01 min 04 s
